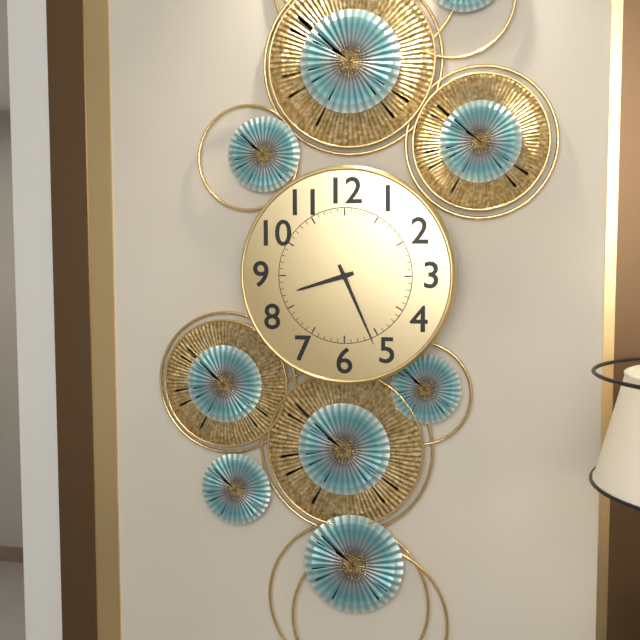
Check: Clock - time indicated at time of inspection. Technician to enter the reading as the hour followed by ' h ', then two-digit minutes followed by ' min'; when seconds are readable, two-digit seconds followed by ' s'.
8 h 26 min
